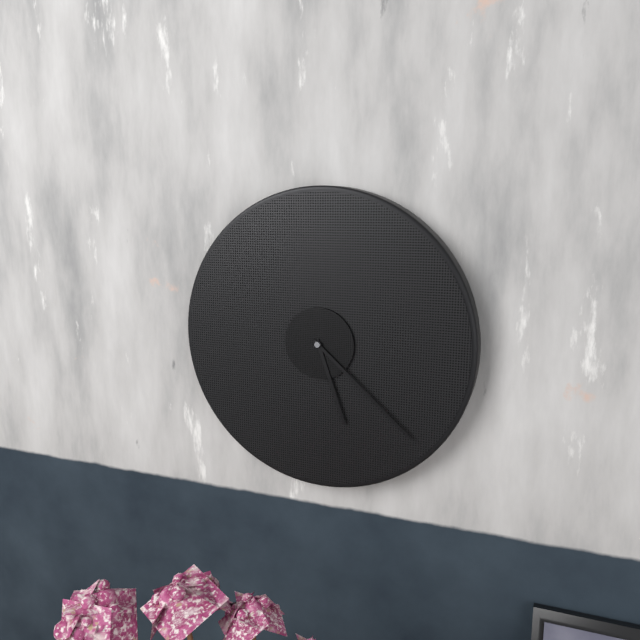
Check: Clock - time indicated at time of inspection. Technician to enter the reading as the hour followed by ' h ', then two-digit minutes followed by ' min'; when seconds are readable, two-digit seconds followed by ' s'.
5 h 22 min
